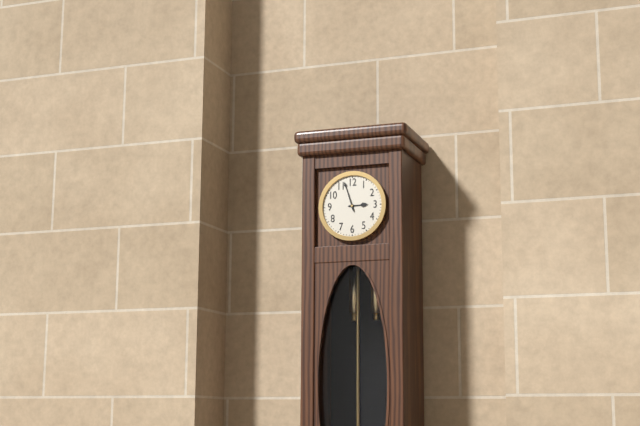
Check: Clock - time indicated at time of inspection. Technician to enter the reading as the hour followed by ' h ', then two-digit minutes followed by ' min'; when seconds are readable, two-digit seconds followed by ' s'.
2 h 57 min
